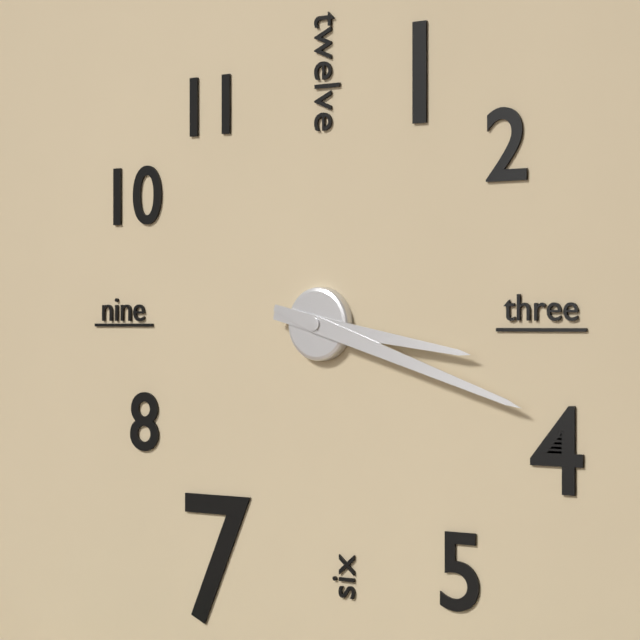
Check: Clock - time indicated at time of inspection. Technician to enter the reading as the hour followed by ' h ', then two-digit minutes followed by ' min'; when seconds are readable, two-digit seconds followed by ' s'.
3 h 18 min
